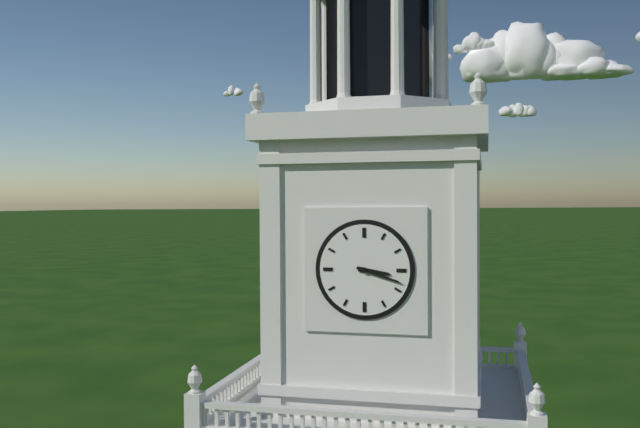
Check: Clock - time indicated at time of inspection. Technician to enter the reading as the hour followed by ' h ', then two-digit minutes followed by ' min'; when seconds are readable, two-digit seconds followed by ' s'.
3 h 18 min
